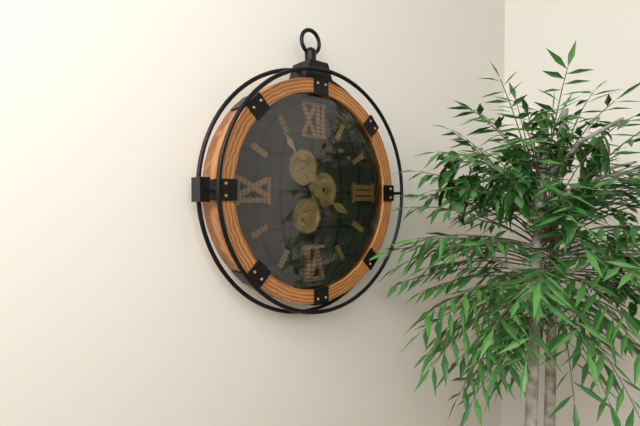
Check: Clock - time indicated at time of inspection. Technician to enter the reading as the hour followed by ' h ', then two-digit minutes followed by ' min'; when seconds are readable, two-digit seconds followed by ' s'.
3 h 54 min
